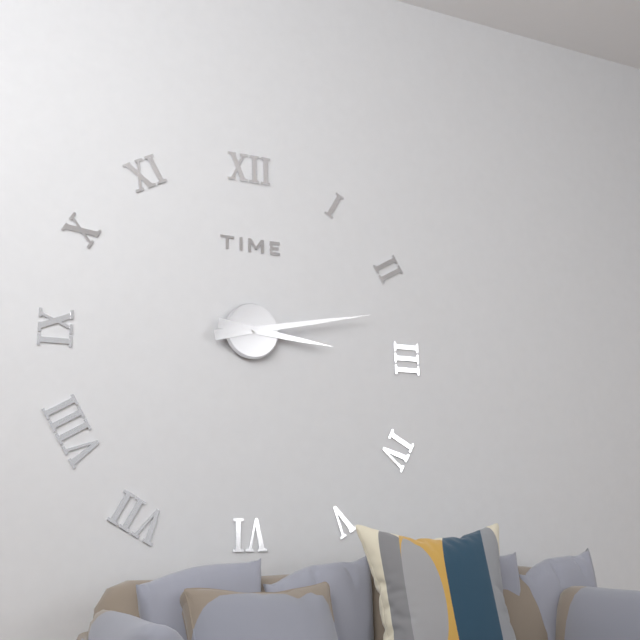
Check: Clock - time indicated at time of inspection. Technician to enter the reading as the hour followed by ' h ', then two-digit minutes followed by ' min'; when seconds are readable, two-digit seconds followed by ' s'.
3 h 13 min
